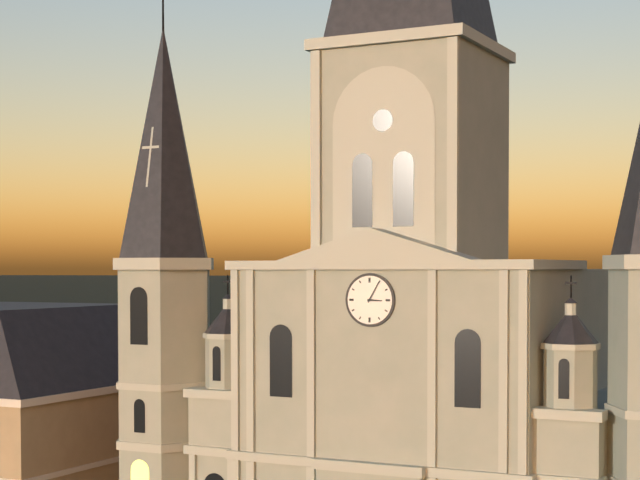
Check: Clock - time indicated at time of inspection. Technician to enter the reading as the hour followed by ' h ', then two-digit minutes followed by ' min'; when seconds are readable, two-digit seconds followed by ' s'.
3 h 05 min
